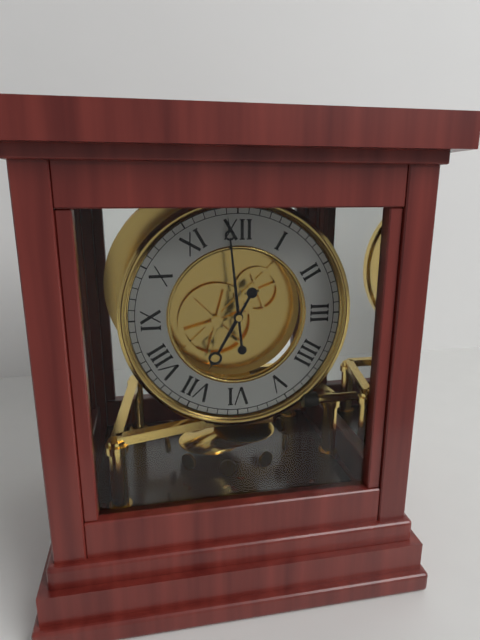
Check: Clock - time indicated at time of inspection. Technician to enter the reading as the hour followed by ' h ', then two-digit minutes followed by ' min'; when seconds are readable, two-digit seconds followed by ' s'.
6 h 59 min
